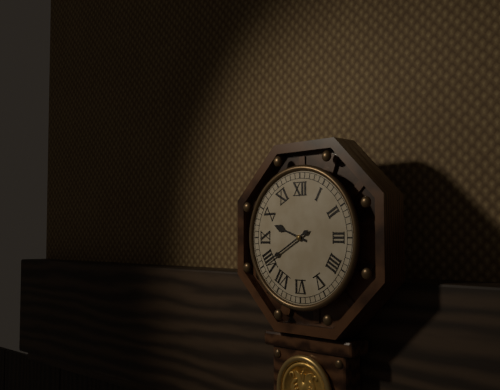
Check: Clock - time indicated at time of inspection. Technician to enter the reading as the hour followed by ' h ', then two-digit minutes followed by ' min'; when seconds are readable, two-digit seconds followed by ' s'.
9 h 40 min
